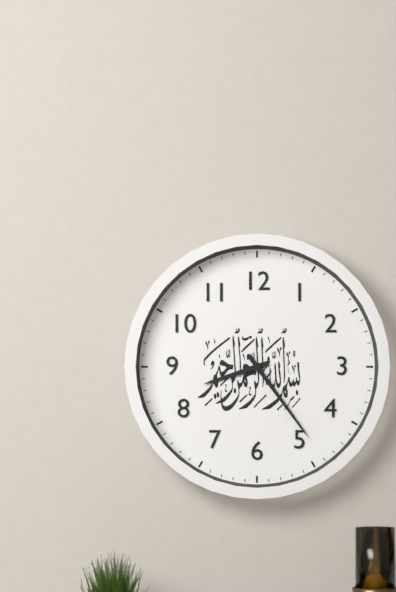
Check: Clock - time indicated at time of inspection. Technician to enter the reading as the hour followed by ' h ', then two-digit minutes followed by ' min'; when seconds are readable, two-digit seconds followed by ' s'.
8 h 24 min
